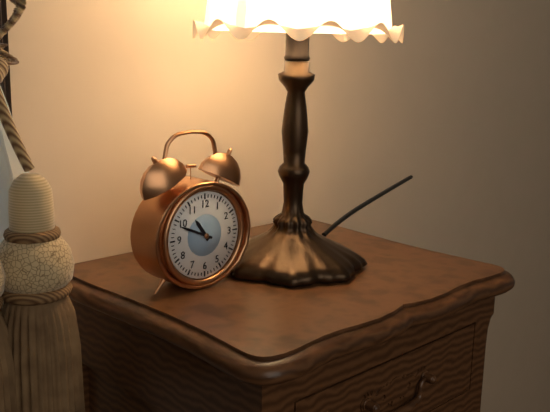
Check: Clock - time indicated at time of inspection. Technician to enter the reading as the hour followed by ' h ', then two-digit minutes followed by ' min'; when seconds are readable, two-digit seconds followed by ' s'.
10 h 49 min
